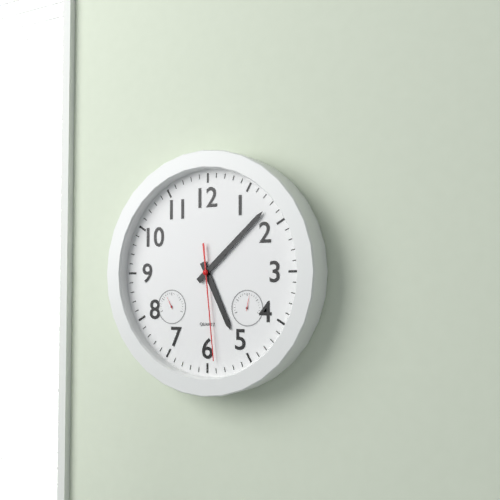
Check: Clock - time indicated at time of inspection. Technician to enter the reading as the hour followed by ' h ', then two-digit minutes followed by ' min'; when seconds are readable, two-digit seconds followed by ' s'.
5 h 08 min 29 s
